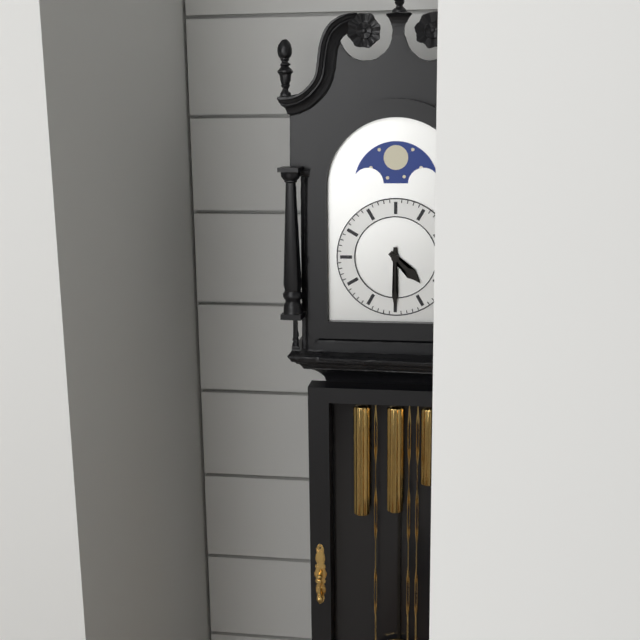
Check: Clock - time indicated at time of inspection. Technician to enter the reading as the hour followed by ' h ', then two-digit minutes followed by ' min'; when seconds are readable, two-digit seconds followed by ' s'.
4 h 30 min
